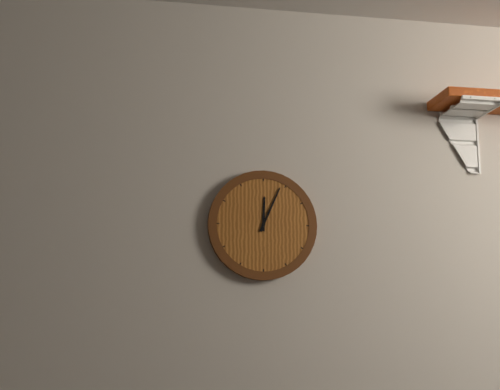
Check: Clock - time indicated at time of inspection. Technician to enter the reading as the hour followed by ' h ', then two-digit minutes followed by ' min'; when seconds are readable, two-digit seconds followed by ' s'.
12 h 04 min
